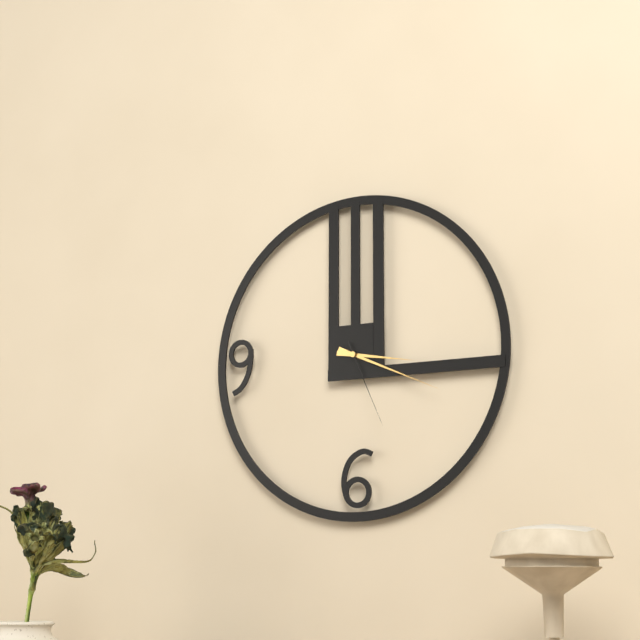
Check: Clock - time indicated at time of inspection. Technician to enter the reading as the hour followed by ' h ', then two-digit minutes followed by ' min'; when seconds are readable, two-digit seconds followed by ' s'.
3 h 19 min 26 s
